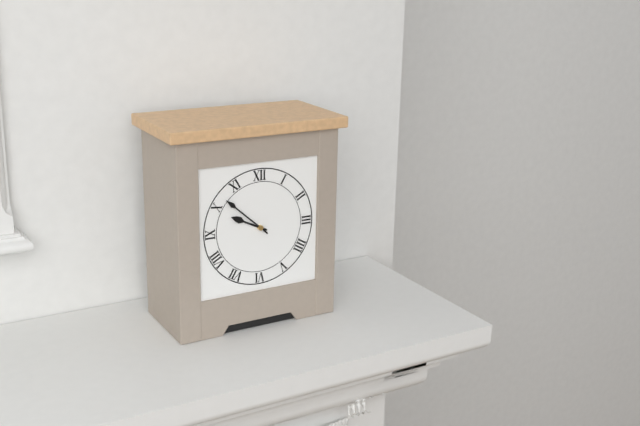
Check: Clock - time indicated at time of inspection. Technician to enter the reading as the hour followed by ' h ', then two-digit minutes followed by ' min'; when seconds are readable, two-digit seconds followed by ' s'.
9 h 52 min
